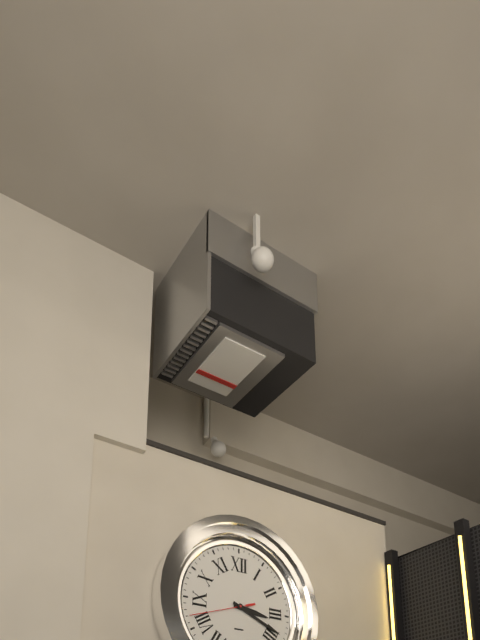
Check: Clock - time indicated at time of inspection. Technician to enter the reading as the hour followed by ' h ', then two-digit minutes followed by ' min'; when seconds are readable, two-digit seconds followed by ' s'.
3 h 19 min 42 s
